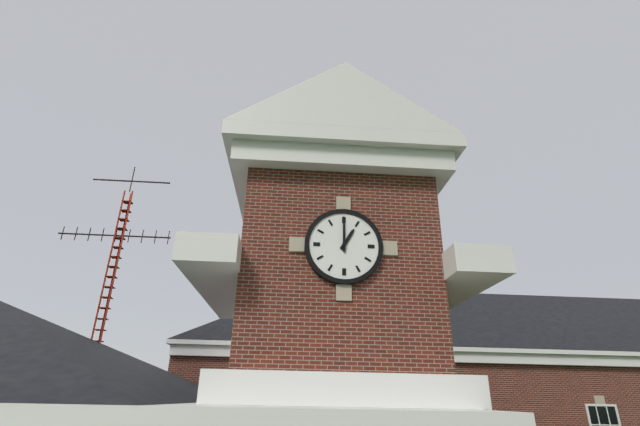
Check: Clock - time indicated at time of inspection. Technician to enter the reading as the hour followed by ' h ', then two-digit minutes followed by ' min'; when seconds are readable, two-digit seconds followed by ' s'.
1 h 00 min
